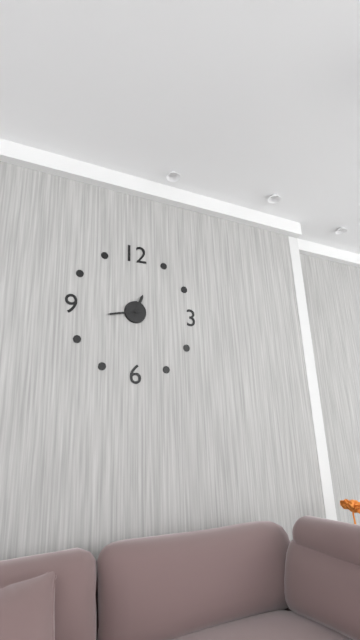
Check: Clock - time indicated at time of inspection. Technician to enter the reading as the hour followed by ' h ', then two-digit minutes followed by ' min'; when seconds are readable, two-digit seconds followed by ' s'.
12 h 43 min
